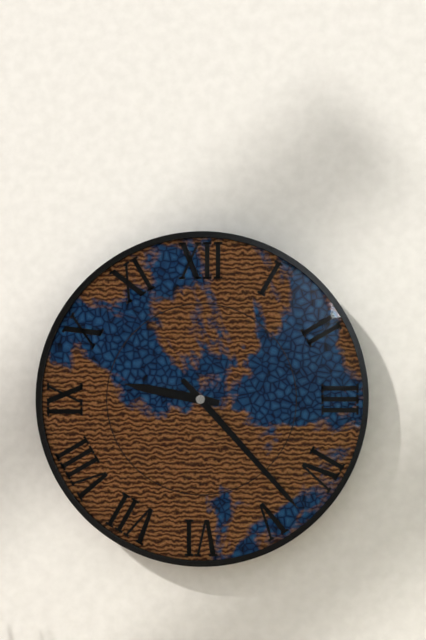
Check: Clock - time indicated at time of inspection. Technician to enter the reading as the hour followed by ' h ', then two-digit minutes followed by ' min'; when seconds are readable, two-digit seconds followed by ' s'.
9 h 23 min
